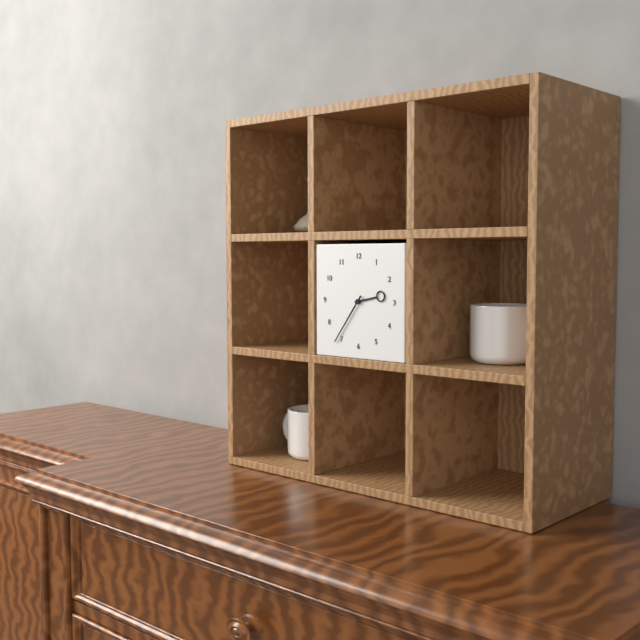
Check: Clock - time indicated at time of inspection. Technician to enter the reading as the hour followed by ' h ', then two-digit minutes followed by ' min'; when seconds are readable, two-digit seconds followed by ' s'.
2 h 36 min
